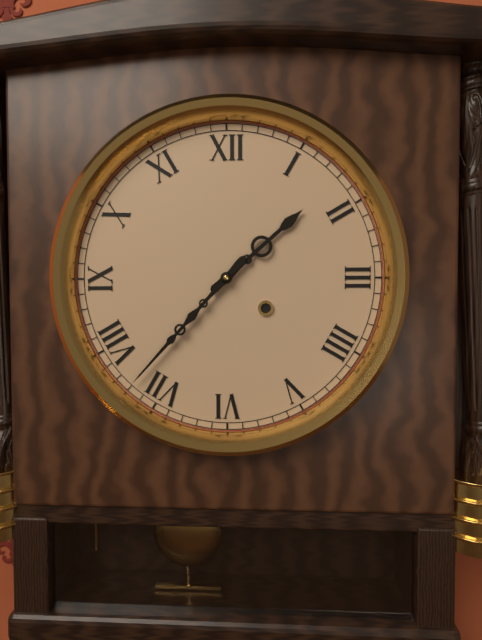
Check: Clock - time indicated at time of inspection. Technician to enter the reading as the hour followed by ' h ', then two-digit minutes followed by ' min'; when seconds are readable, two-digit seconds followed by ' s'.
1 h 37 min
